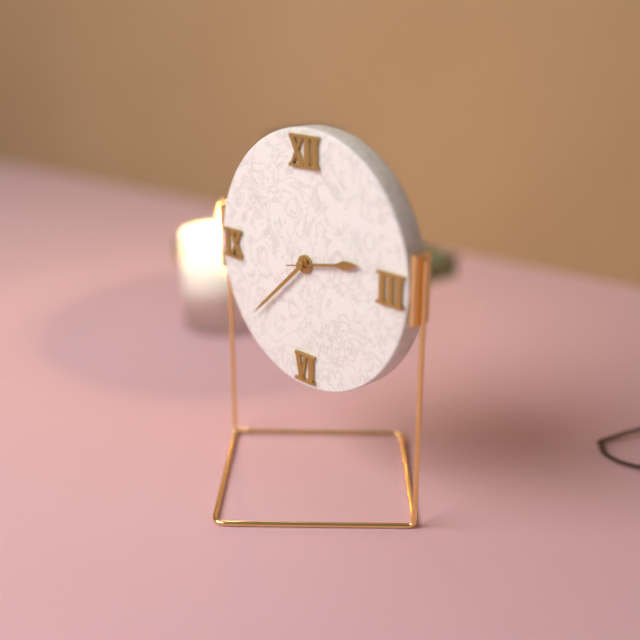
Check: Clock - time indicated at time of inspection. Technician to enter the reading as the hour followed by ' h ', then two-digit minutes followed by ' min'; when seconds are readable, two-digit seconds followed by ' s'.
2 h 38 min 13 s
